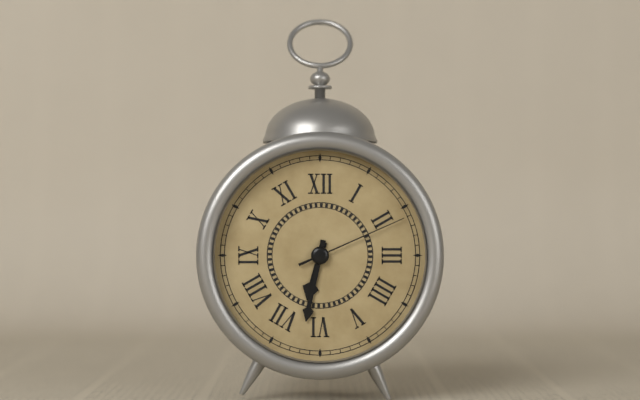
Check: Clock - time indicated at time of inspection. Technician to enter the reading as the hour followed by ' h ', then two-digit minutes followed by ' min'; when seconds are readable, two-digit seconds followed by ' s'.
6 h 32 min 11 s
